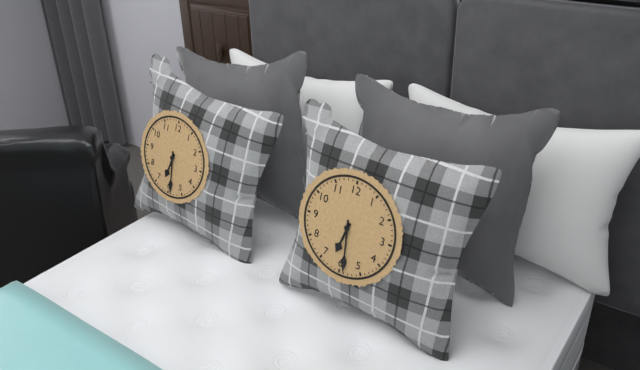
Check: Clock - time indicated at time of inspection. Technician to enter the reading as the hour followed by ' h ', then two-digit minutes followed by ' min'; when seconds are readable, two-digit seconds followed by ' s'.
6 h 29 min
